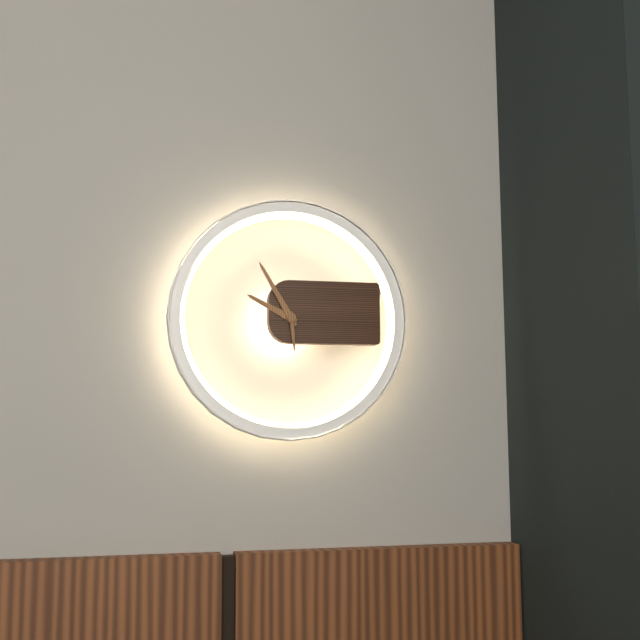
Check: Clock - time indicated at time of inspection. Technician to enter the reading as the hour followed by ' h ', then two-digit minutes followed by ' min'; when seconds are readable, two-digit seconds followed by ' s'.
9 h 55 min
